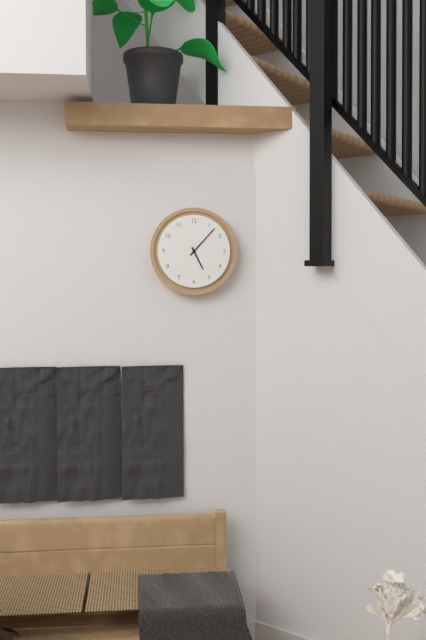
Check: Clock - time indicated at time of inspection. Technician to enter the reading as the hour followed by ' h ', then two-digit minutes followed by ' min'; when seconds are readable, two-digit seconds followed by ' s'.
5 h 07 min
